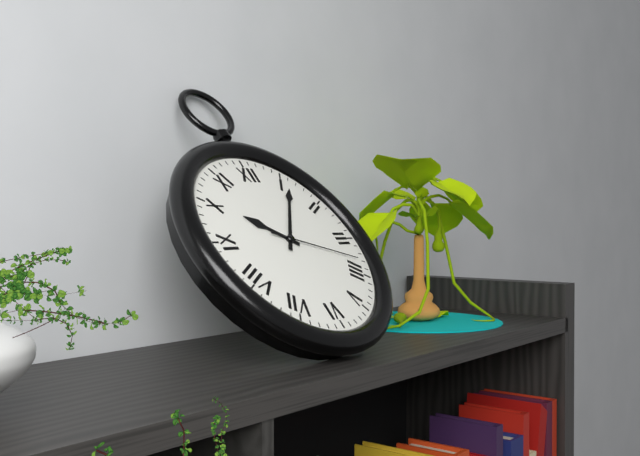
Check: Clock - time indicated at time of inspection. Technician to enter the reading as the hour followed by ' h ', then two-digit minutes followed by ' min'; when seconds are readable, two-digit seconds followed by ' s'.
10 h 06 min 18 s
